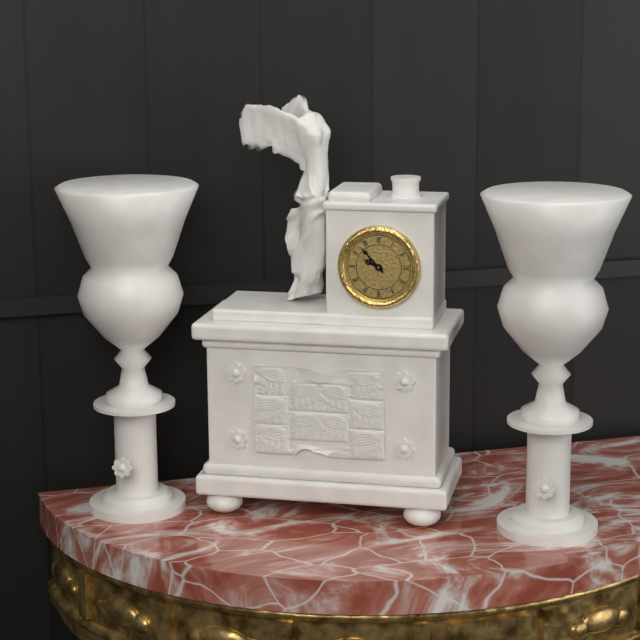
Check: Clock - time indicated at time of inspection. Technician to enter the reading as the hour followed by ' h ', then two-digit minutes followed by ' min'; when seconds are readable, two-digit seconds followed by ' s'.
9 h 53 min
